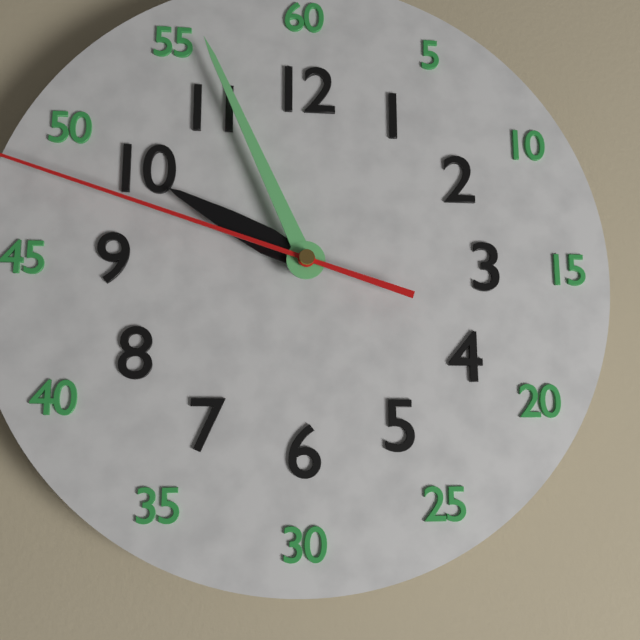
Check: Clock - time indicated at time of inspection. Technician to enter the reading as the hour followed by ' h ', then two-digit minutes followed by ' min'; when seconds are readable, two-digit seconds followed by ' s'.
9 h 56 min
